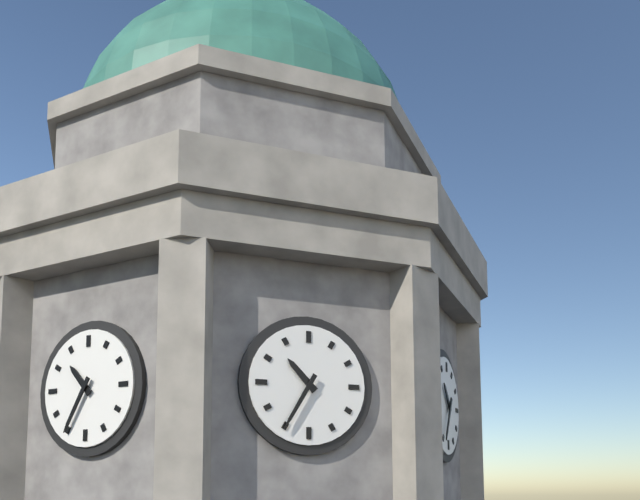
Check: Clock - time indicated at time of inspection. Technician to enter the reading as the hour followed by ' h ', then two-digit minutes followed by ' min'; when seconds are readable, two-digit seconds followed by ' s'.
10 h 35 min
